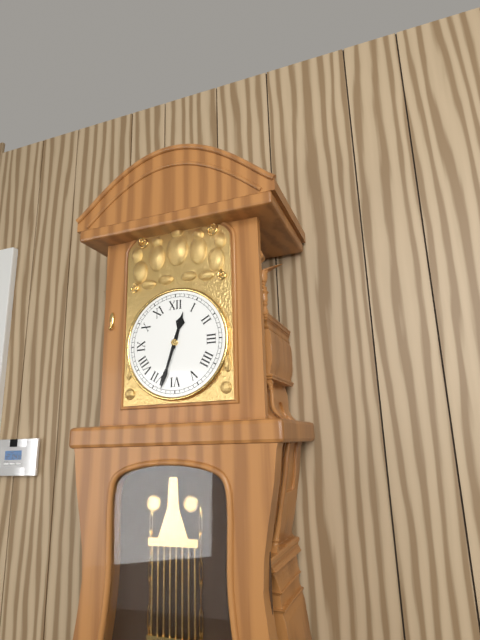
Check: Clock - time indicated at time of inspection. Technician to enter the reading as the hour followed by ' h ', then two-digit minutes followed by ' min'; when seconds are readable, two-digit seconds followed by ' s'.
12 h 33 min
